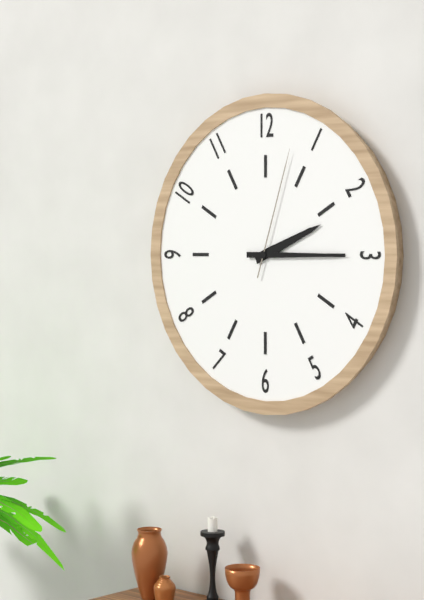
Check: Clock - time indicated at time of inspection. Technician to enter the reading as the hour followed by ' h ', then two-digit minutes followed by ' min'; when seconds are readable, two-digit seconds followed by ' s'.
2 h 15 min 03 s
